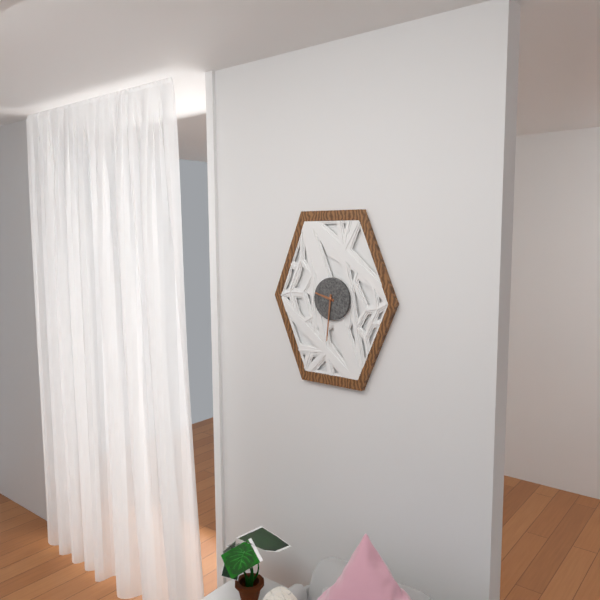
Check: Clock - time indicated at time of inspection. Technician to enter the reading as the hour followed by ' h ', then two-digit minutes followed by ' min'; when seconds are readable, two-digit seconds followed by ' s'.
9 h 31 min
